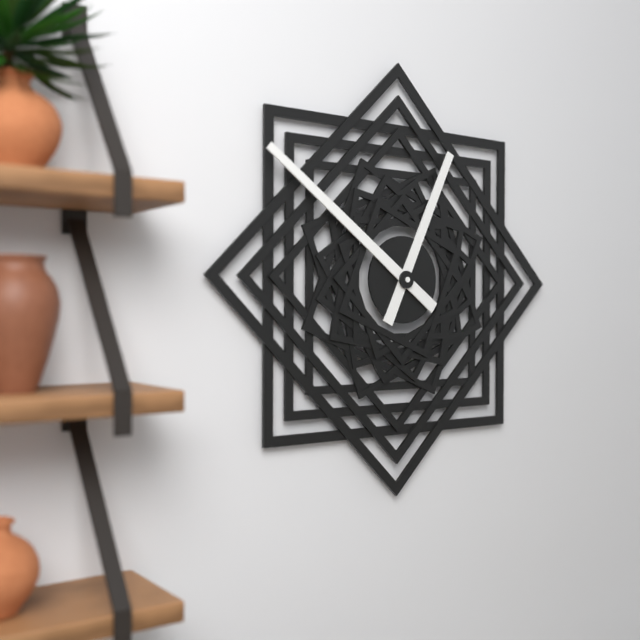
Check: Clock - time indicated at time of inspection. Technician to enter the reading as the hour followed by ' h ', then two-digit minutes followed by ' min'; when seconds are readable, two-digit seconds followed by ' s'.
12 h 51 min
